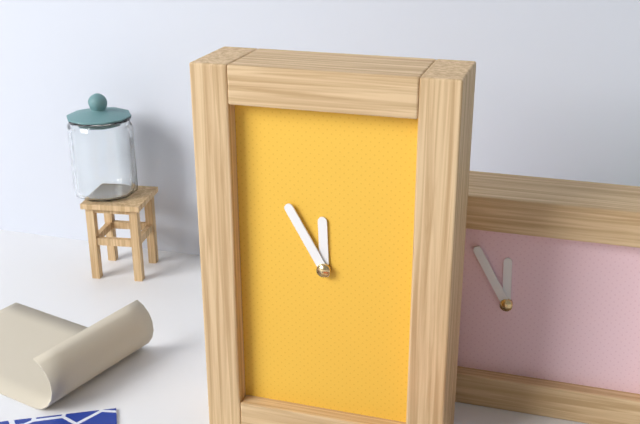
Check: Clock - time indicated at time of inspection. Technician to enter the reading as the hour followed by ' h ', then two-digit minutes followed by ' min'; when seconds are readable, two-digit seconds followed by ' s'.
11 h 55 min
